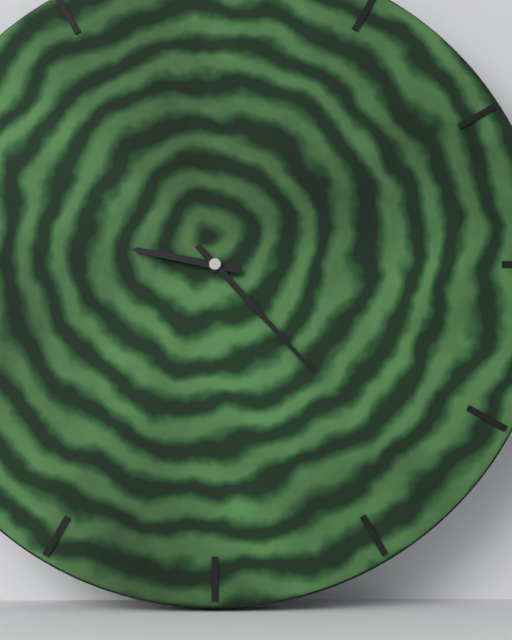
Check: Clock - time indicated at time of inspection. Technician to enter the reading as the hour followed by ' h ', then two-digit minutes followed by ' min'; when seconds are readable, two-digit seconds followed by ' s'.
9 h 23 min
